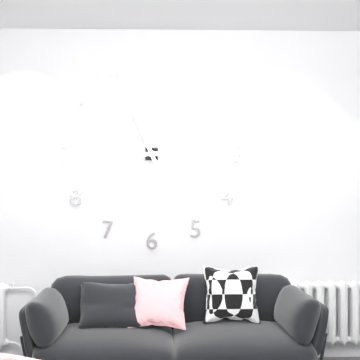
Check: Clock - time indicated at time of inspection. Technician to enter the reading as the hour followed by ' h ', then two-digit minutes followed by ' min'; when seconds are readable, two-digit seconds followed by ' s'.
8 h 56 min
